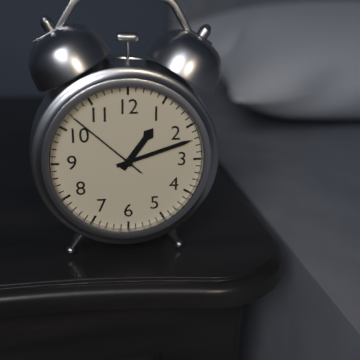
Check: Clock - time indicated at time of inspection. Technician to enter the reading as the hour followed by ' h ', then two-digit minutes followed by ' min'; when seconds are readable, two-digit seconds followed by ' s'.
1 h 12 min 52 s
